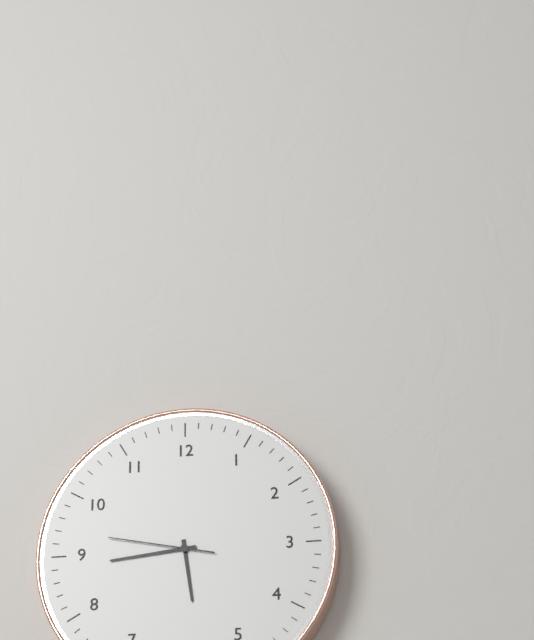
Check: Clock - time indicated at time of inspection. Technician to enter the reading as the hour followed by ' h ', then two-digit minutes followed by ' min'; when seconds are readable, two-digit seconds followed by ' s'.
5 h 44 min 47 s
